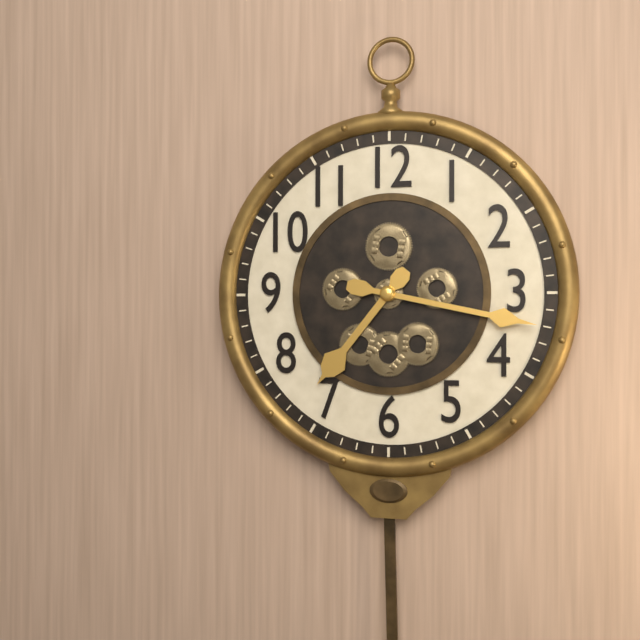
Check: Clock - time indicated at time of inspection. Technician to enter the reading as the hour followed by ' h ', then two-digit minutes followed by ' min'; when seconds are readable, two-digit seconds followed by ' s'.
7 h 17 min
